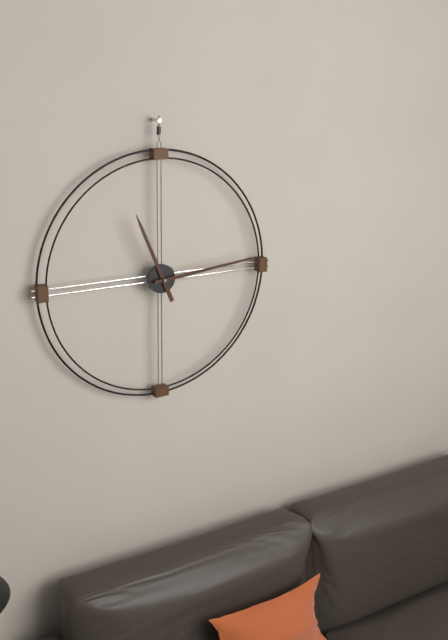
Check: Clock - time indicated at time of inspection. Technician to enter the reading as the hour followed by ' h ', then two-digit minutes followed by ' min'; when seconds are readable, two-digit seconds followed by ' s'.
11 h 14 min
